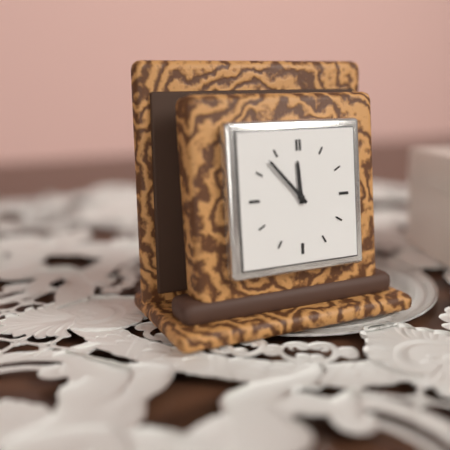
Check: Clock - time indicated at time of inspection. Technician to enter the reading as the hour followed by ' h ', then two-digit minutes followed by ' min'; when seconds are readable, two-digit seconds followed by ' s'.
11 h 53 min
